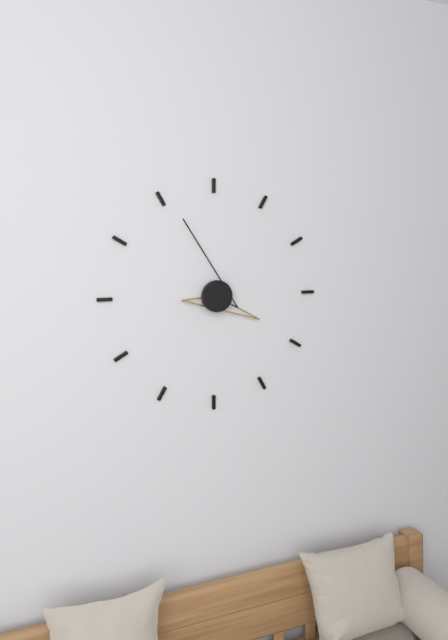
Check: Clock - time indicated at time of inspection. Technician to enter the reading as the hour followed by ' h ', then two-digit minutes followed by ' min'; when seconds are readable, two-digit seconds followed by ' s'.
3 h 56 min
